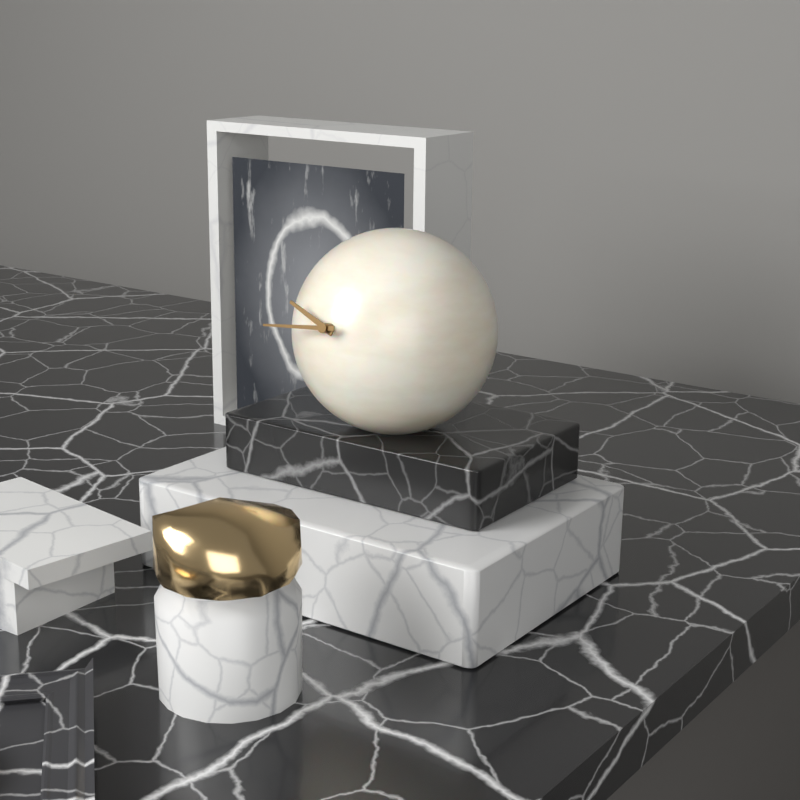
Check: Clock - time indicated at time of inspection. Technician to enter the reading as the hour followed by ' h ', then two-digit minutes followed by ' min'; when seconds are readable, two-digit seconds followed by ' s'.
9 h 44 min
